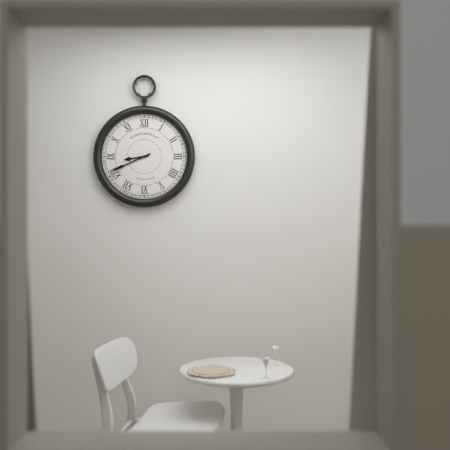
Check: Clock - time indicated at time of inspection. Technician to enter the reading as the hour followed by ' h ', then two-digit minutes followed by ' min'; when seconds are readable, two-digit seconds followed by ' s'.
8 h 41 min
